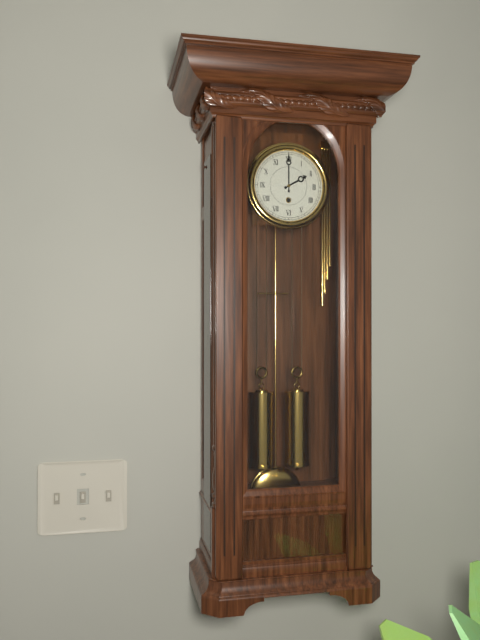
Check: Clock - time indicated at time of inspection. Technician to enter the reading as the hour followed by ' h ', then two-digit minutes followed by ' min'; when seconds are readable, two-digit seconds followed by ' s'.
2 h 00 min
